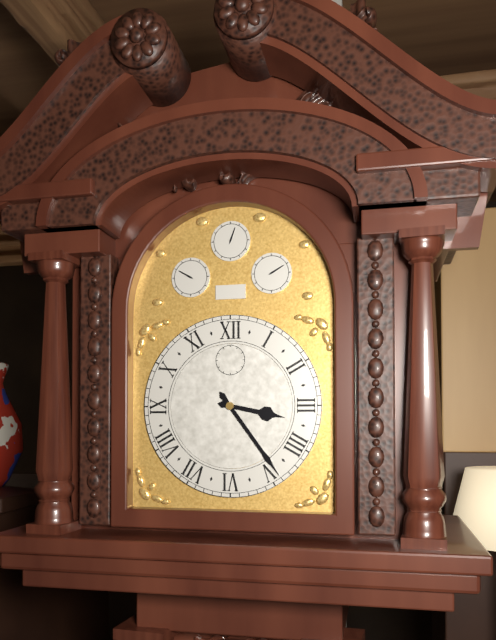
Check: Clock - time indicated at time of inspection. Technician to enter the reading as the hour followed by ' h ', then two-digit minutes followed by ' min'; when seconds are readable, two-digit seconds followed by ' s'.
3 h 24 min
